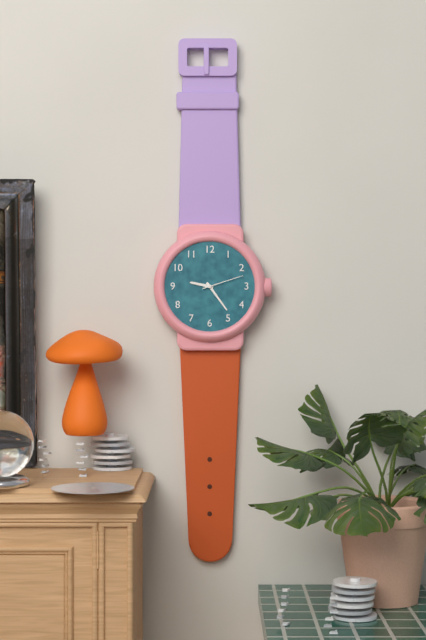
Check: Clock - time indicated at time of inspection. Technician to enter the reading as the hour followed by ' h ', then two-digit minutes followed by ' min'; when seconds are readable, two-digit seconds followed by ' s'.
9 h 24 min
